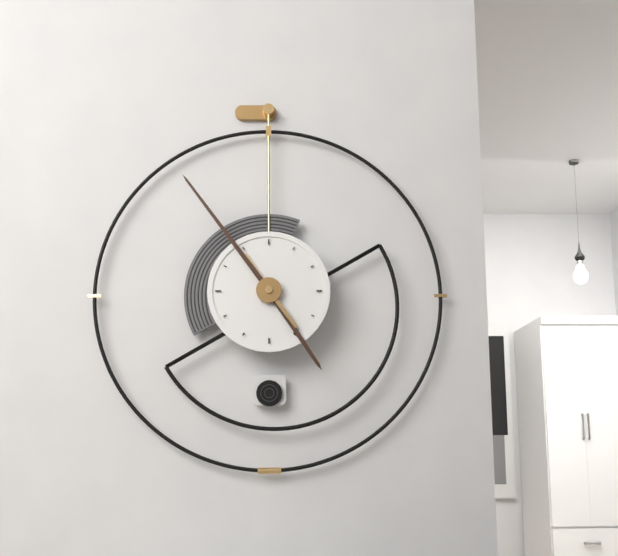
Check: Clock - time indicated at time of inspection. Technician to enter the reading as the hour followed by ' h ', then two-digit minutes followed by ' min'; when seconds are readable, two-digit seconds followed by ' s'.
4 h 54 min
